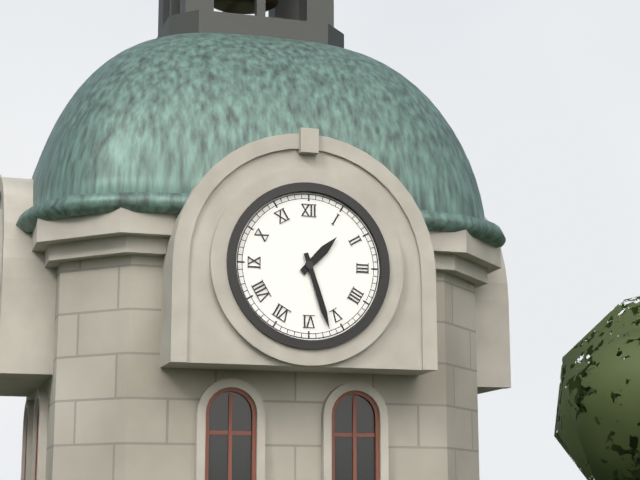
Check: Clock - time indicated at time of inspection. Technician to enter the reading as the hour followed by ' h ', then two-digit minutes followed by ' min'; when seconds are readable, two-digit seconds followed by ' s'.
1 h 27 min
